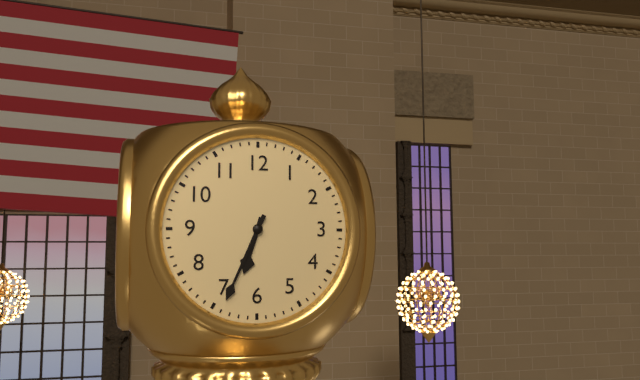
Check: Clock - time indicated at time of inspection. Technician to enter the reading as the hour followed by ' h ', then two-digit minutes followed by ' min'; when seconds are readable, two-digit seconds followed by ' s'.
6 h 34 min
